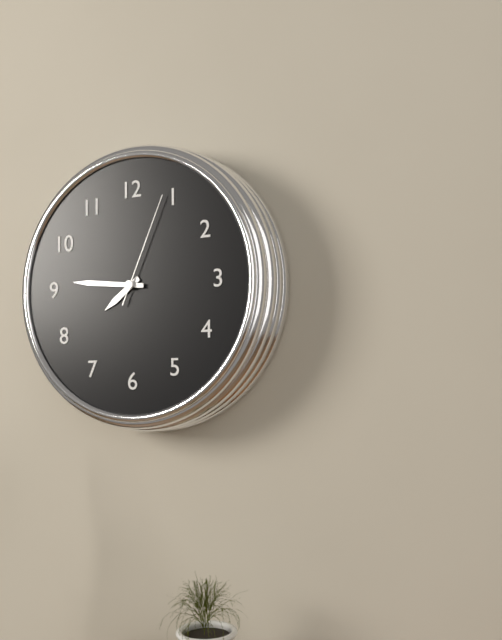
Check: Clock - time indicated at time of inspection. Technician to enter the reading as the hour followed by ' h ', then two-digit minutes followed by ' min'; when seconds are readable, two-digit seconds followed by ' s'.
7 h 46 min 04 s
